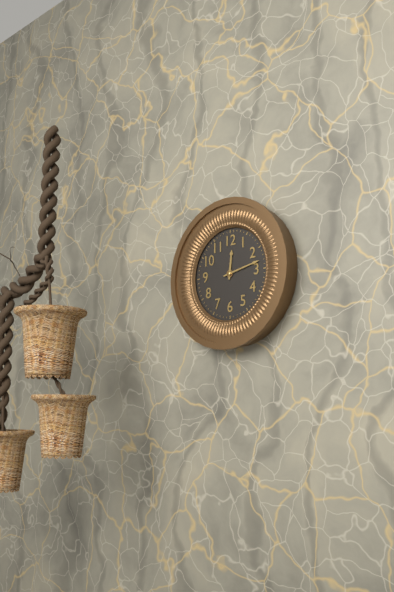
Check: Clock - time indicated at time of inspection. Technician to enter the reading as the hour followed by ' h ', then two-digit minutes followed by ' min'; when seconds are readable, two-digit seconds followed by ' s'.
12 h 13 min
